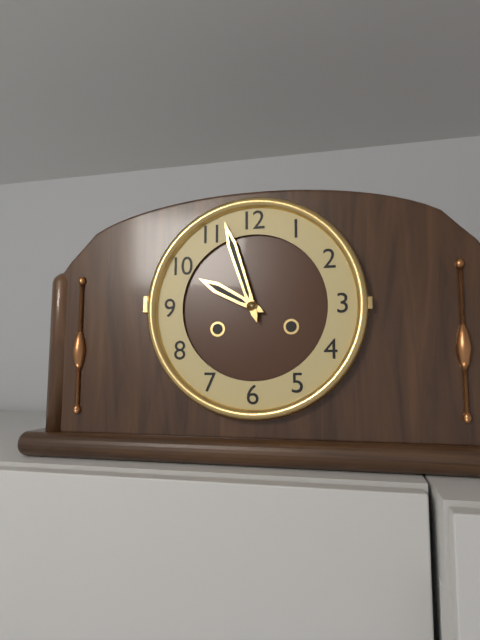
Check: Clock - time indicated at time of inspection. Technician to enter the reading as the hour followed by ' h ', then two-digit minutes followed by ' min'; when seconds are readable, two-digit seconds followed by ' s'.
9 h 57 min
